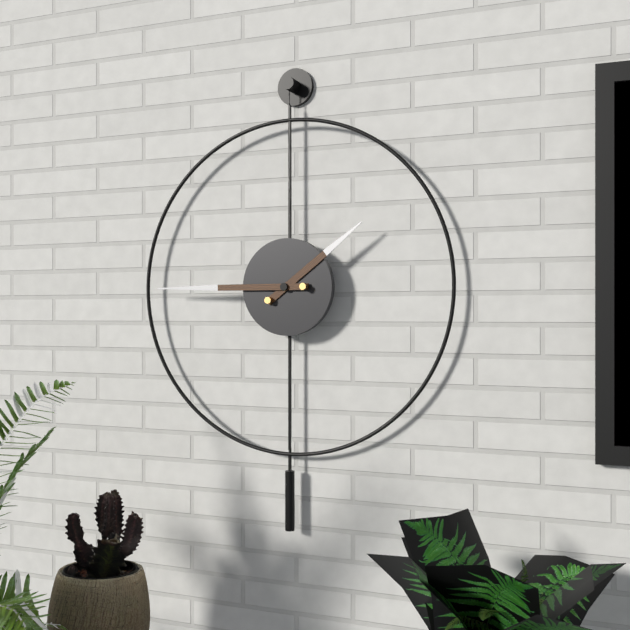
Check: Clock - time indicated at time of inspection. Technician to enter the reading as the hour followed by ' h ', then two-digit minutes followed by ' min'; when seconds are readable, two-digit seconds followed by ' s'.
1 h 45 min
